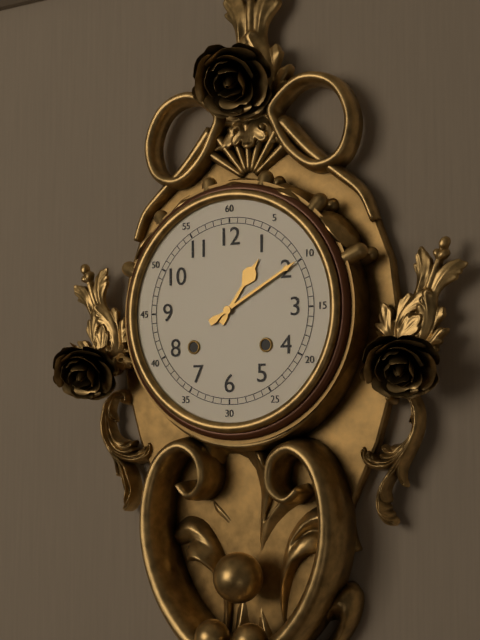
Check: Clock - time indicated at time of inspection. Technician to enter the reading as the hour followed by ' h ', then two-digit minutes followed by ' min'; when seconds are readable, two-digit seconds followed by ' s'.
1 h 10 min
